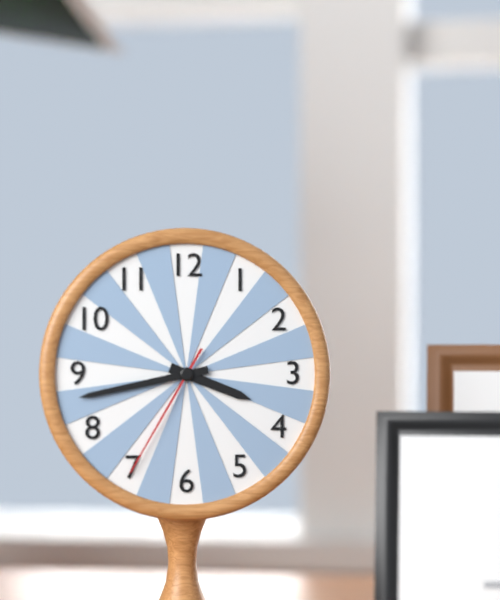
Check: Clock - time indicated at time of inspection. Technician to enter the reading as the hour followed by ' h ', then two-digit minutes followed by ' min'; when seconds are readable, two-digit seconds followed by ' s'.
3 h 43 min 35 s
